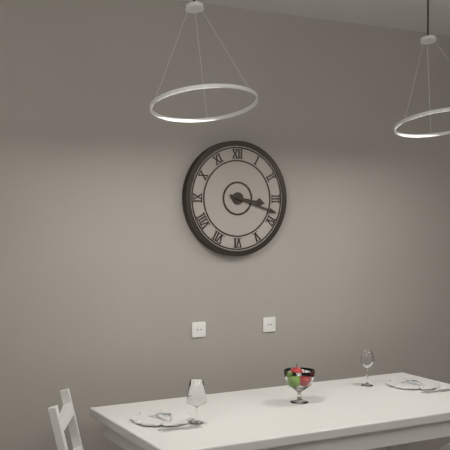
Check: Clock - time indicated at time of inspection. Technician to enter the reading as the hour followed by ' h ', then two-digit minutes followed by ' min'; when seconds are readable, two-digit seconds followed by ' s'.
3 h 18 min
